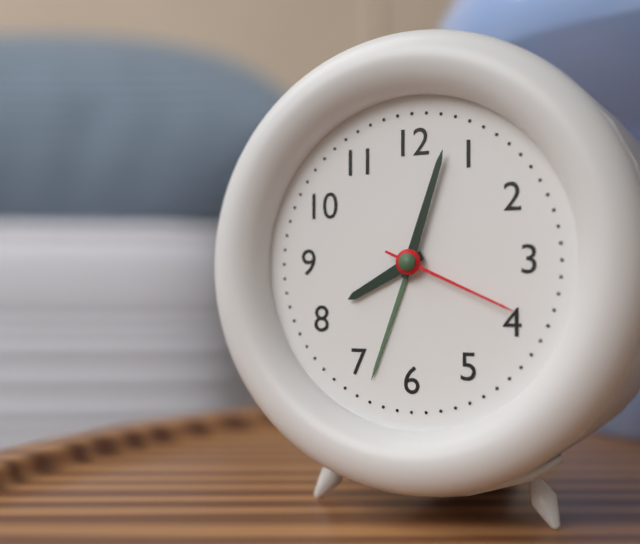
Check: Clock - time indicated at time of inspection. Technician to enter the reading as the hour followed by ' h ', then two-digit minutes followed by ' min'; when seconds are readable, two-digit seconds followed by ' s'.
8 h 03 min 19 s
